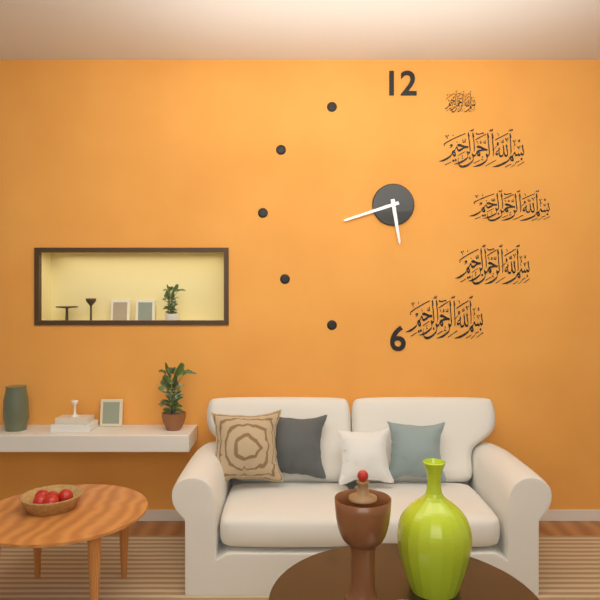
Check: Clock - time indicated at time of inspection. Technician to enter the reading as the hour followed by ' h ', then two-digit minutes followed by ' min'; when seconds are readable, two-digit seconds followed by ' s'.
5 h 42 min
